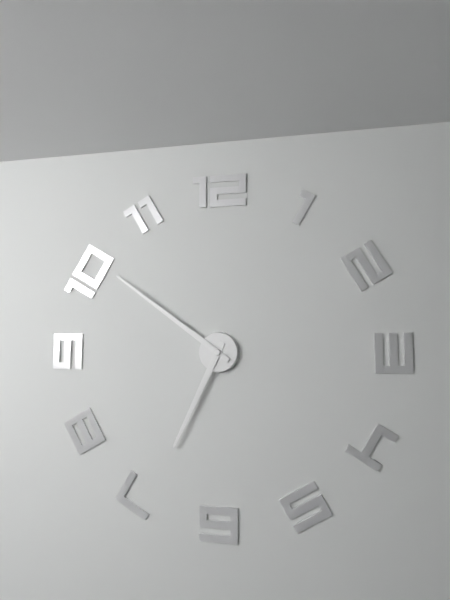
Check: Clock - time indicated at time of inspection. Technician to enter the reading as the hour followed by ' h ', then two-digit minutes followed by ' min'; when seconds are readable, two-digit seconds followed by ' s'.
6 h 51 min
